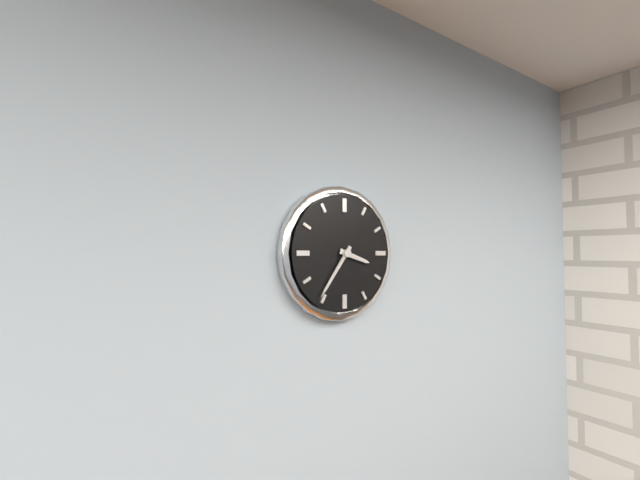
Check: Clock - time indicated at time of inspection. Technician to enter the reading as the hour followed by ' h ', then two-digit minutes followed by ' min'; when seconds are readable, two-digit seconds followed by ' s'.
3 h 36 min
